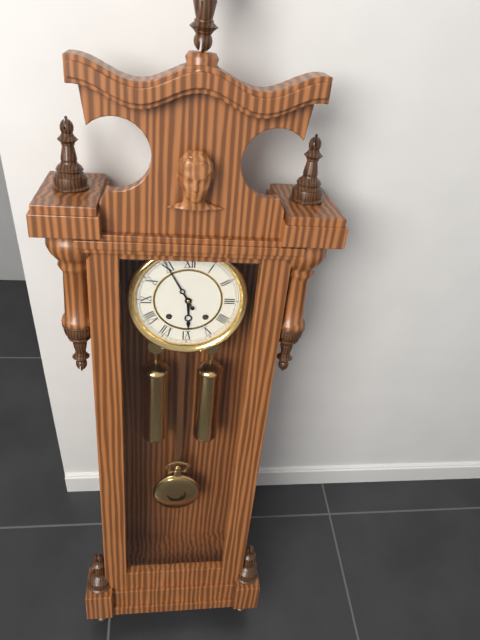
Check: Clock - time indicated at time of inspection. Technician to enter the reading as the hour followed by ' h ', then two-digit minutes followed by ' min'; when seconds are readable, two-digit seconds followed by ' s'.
5 h 55 min
